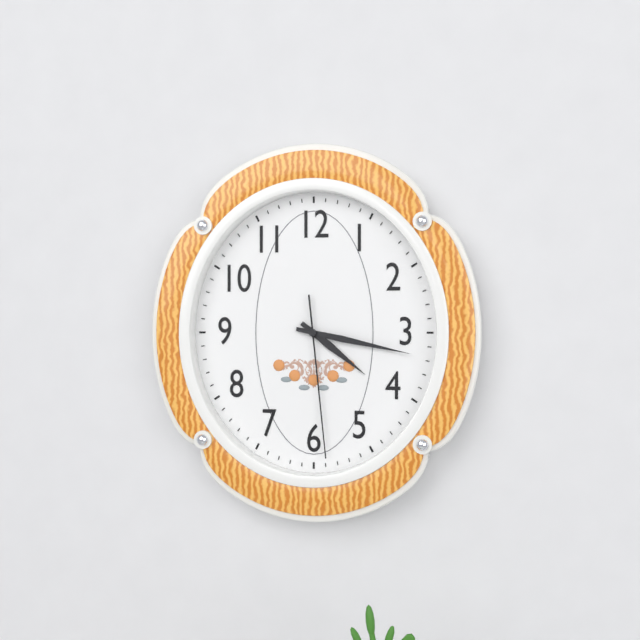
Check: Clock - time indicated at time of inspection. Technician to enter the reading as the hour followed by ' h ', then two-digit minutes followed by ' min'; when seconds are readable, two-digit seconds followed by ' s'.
4 h 17 min 29 s
